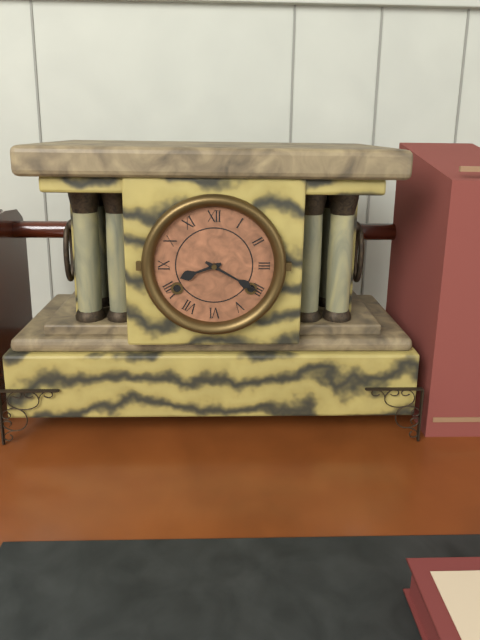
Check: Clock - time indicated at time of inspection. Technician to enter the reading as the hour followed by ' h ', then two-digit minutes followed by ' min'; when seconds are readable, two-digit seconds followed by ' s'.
8 h 20 min
